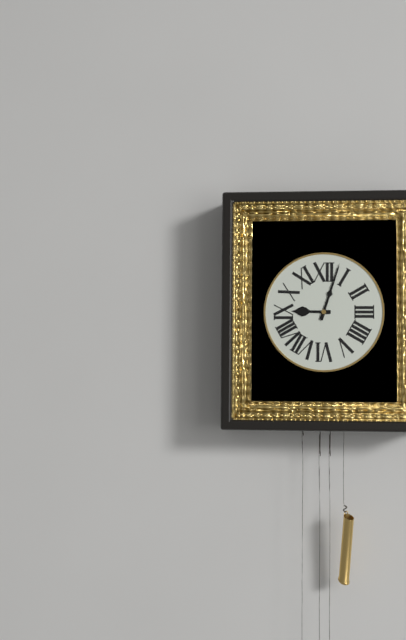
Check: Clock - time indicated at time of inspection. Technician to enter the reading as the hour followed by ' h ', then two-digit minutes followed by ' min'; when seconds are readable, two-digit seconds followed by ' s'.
9 h 03 min
